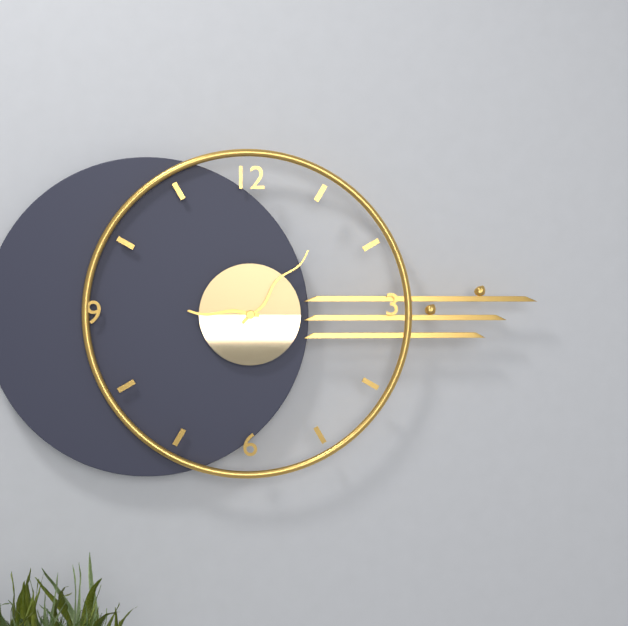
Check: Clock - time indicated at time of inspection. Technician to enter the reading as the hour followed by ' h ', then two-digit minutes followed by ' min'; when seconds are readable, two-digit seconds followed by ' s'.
9 h 07 min
